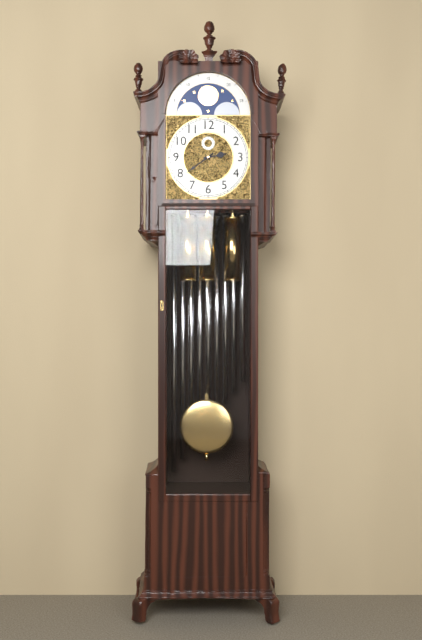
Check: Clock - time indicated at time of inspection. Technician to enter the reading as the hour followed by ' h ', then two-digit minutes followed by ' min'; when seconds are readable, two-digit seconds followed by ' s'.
2 h 39 min
